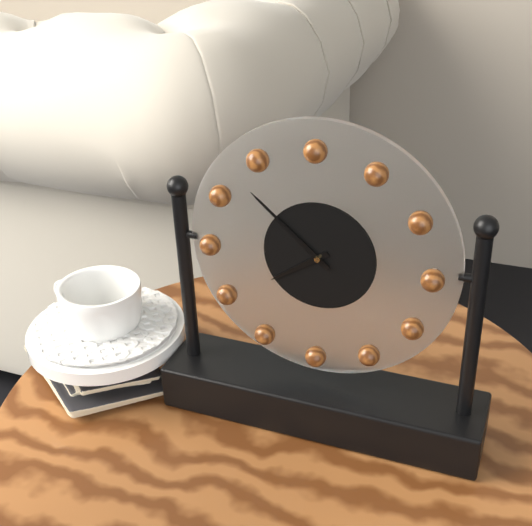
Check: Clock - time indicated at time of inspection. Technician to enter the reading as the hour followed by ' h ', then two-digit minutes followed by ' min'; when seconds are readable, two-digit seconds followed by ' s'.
7 h 52 min
